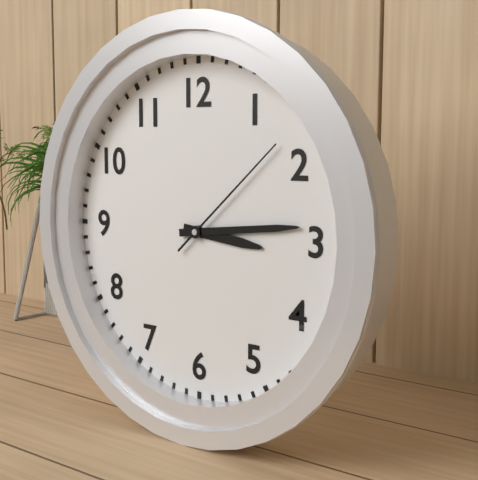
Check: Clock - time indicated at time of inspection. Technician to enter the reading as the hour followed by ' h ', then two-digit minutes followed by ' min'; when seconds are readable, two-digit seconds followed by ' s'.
3 h 14 min 08 s
